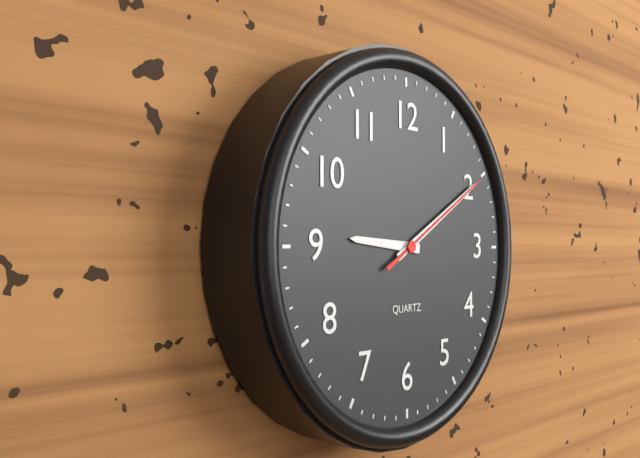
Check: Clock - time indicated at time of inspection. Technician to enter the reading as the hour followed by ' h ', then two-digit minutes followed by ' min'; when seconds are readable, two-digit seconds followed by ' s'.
9 h 10 min 10 s
